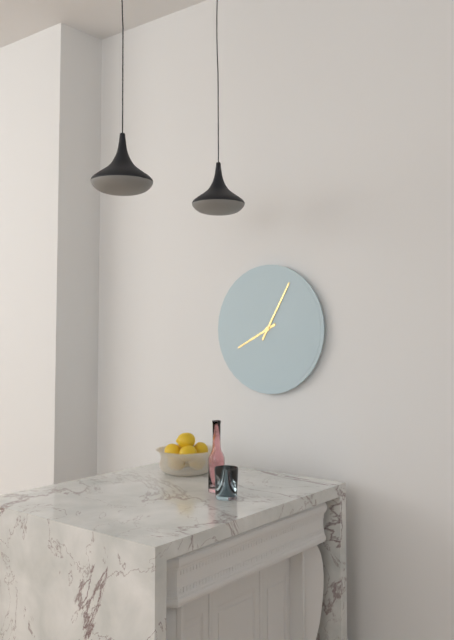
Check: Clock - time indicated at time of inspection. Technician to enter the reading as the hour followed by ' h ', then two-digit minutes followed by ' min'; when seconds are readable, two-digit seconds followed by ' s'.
8 h 05 min
